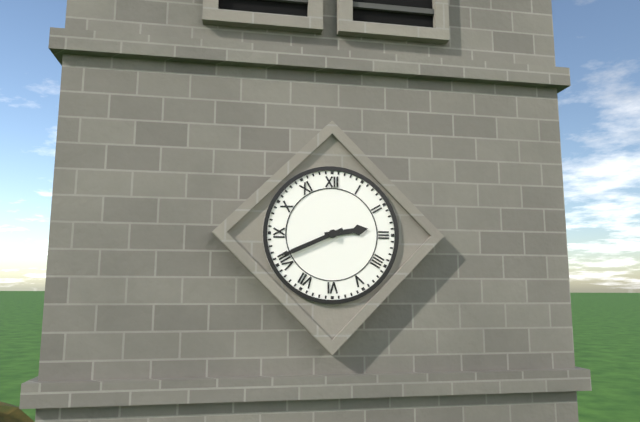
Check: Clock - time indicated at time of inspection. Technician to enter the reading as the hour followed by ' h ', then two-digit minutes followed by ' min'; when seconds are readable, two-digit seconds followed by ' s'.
2 h 41 min
